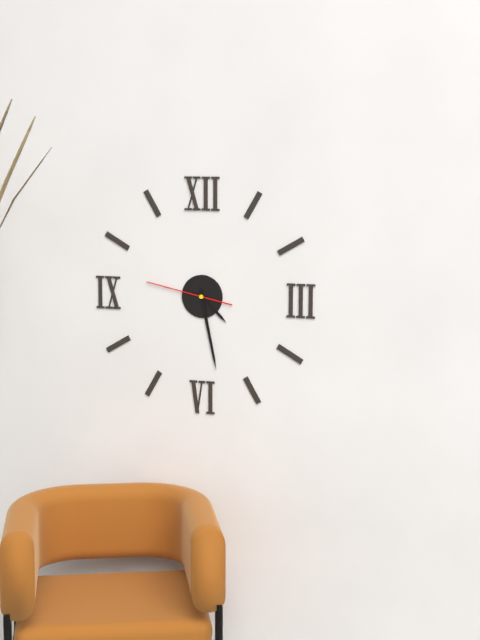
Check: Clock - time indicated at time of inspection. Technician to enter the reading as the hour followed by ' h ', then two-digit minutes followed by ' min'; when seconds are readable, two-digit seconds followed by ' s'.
4 h 28 min 47 s
